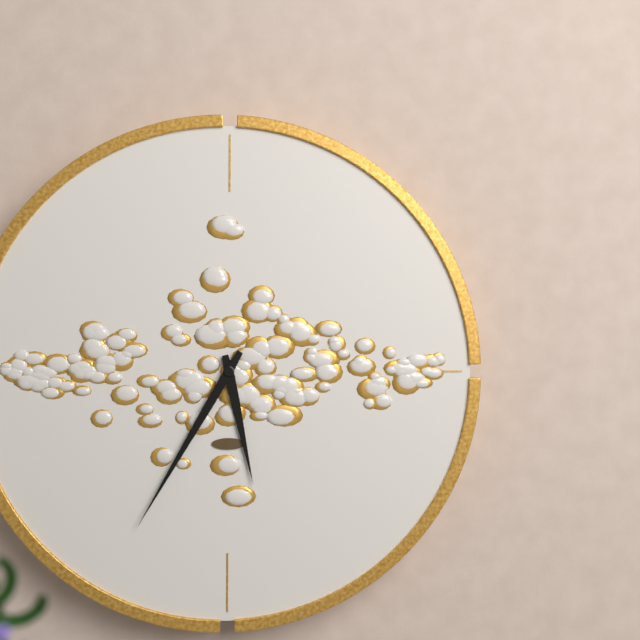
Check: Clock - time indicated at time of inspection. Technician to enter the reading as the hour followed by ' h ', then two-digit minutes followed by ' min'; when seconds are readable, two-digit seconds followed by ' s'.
5 h 35 min
